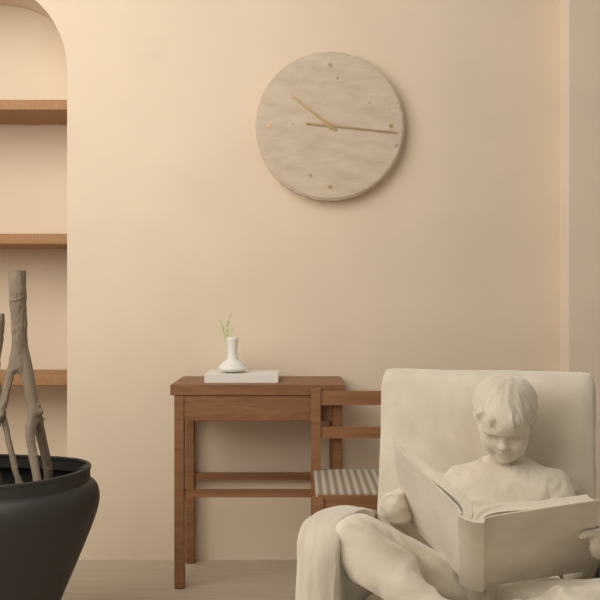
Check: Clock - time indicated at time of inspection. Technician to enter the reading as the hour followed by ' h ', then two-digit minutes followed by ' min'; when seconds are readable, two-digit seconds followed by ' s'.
10 h 16 min
